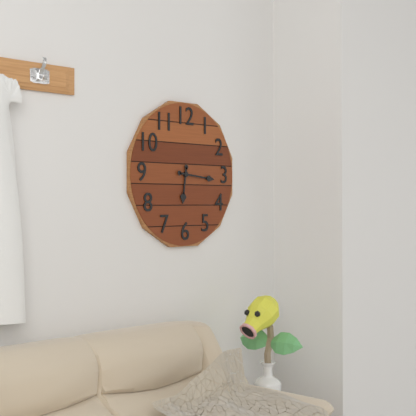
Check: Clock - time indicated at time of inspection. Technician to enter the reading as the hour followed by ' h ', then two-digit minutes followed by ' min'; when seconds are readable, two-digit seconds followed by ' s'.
6 h 16 min
